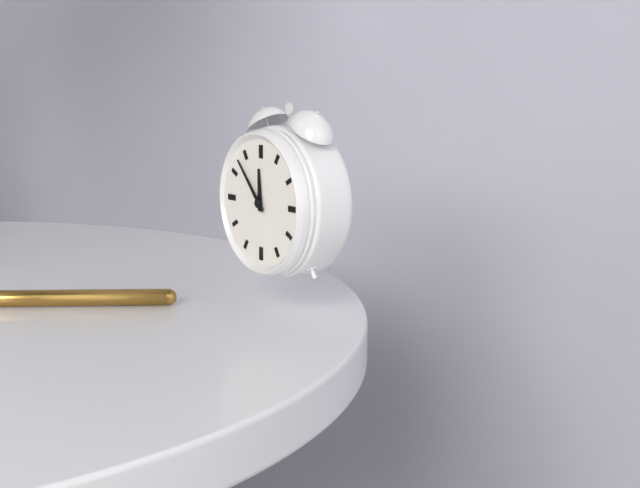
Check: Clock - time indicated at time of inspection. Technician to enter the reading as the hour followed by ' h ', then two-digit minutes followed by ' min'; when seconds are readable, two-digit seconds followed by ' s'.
11 h 53 min
